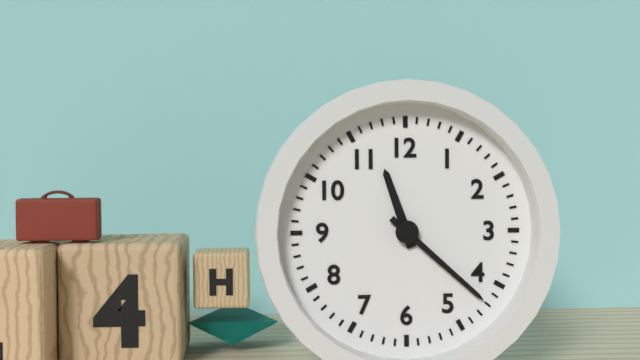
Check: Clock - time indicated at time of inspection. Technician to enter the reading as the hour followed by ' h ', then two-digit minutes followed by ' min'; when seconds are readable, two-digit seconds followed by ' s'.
11 h 22 min
